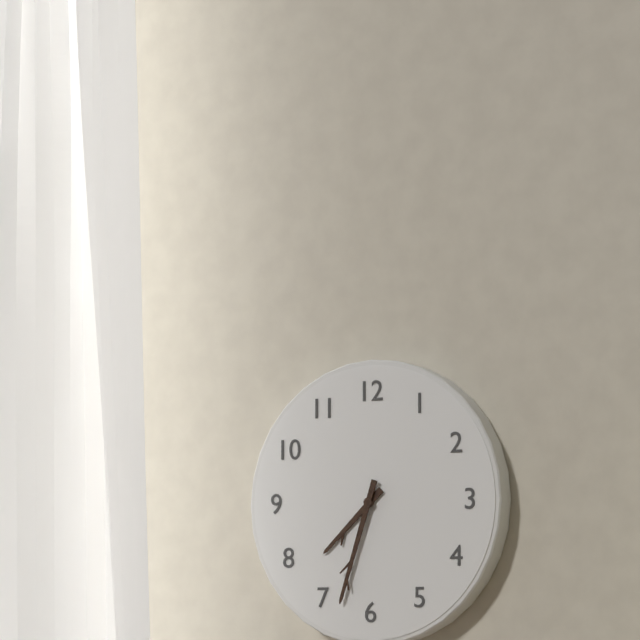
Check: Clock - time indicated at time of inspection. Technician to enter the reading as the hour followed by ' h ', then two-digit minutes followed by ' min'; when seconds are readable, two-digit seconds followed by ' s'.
7 h 33 min
